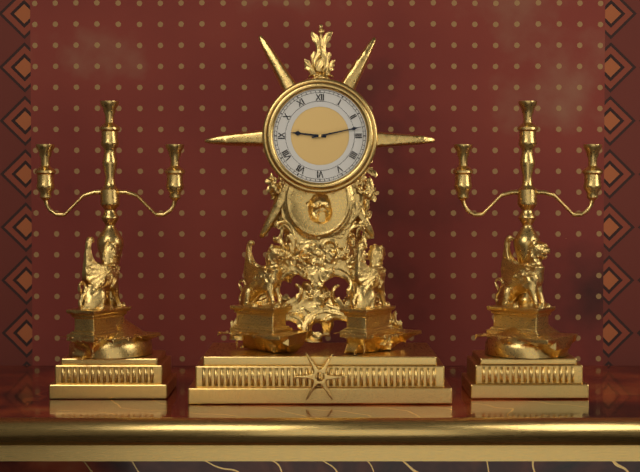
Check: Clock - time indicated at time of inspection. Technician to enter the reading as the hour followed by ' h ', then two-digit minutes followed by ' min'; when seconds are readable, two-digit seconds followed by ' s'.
9 h 13 min
